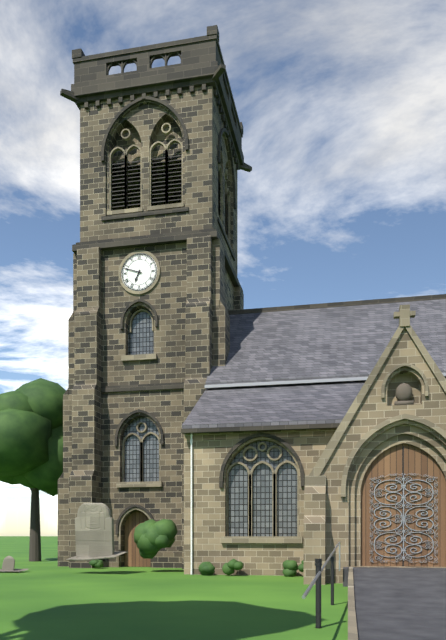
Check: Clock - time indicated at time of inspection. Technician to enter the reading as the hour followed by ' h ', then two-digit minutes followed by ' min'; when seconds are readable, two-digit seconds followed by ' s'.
6 h 48 min
